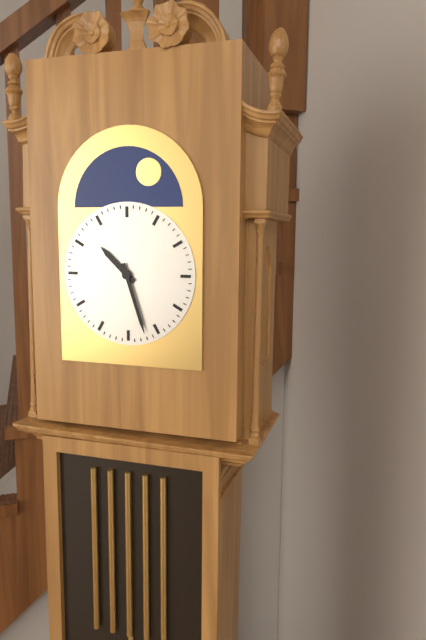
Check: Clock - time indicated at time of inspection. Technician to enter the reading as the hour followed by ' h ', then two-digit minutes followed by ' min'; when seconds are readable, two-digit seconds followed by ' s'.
10 h 27 min
